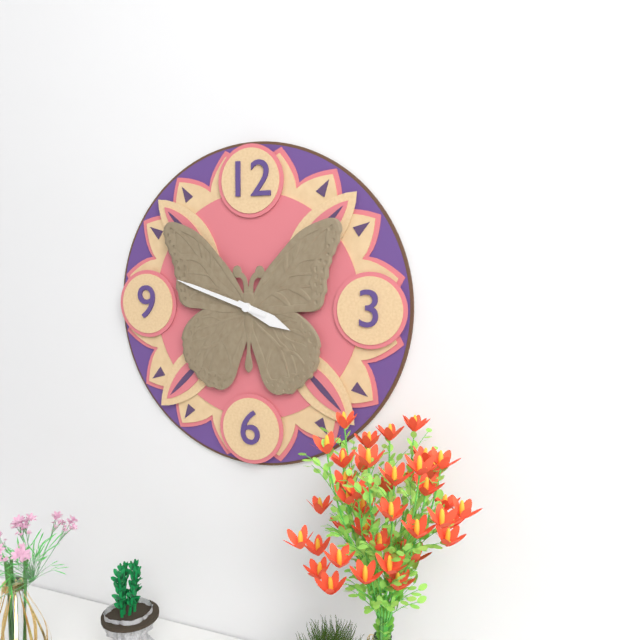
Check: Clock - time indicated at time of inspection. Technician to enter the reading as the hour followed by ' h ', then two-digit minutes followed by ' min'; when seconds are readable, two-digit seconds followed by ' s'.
3 h 48 min
